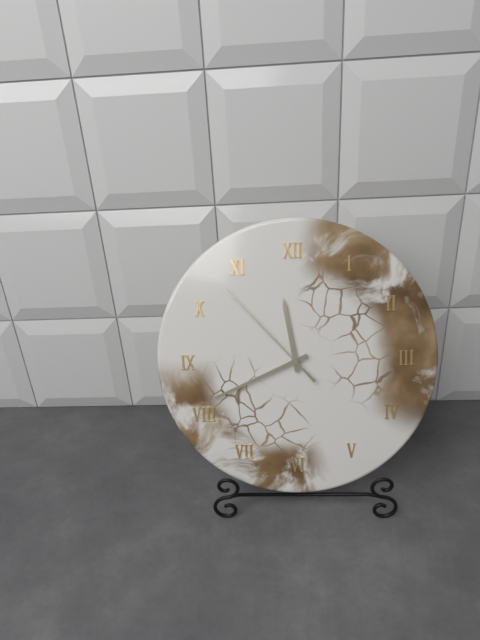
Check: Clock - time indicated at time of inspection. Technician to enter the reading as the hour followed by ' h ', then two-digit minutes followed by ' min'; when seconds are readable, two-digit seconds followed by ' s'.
11 h 41 min 53 s
